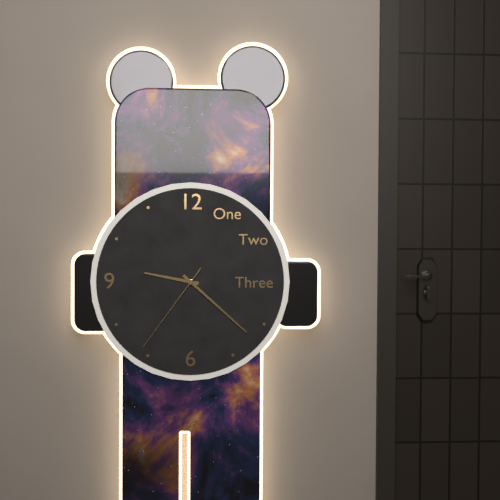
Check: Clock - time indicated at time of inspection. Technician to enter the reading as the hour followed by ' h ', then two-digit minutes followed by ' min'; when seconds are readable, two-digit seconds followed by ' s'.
9 h 22 min 36 s
